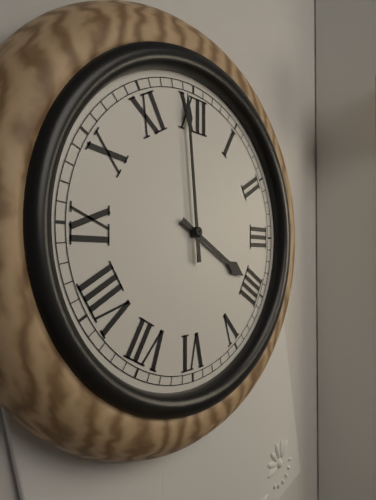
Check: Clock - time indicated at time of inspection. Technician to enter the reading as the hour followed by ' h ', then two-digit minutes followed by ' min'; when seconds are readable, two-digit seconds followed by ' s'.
3 h 59 min
